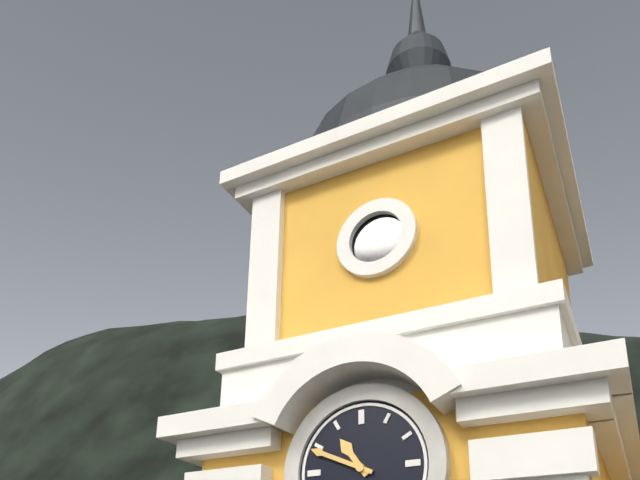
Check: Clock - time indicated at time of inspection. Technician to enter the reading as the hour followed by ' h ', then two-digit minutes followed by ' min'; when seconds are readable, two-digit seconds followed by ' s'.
10 h 49 min
